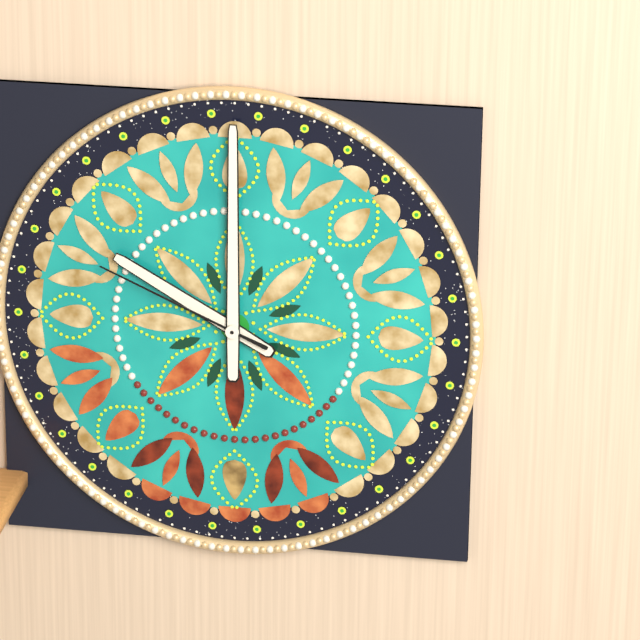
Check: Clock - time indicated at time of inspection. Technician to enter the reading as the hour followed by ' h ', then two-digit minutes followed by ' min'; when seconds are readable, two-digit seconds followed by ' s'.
10 h 00 min 49 s
